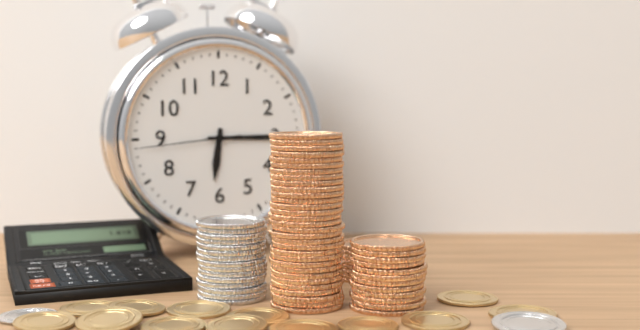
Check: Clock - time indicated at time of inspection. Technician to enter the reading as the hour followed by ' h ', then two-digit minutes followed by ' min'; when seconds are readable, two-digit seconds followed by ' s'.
6 h 15 min 44 s
